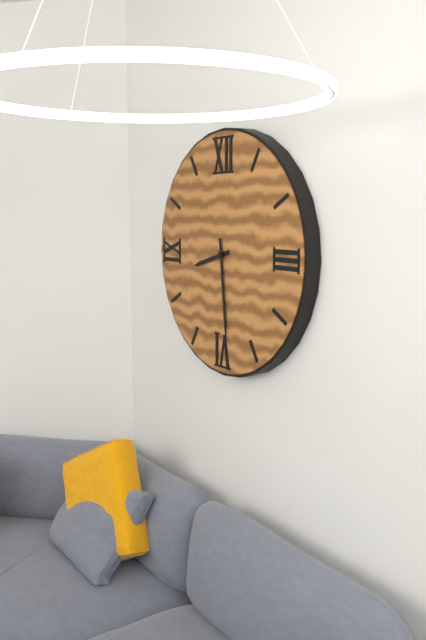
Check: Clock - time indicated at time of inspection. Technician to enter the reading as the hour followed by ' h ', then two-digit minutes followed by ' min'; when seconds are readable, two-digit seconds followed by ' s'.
8 h 29 min
